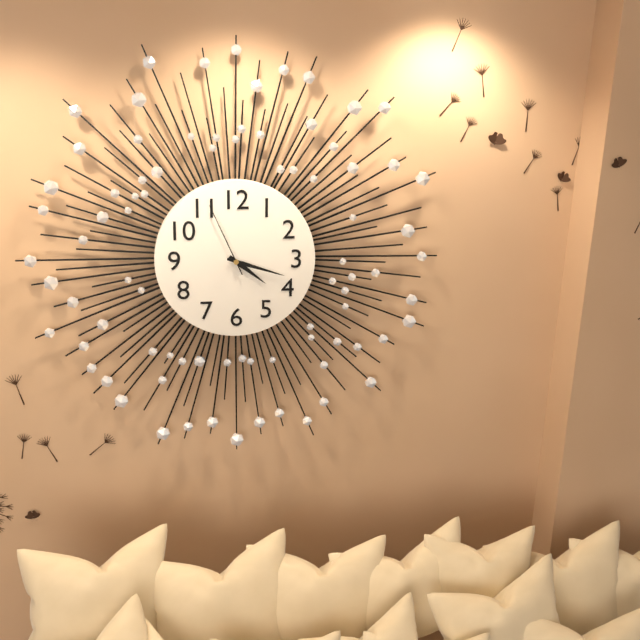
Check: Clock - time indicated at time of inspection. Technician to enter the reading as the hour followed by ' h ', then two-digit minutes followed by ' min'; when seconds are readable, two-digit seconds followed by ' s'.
4 h 18 min 56 s
